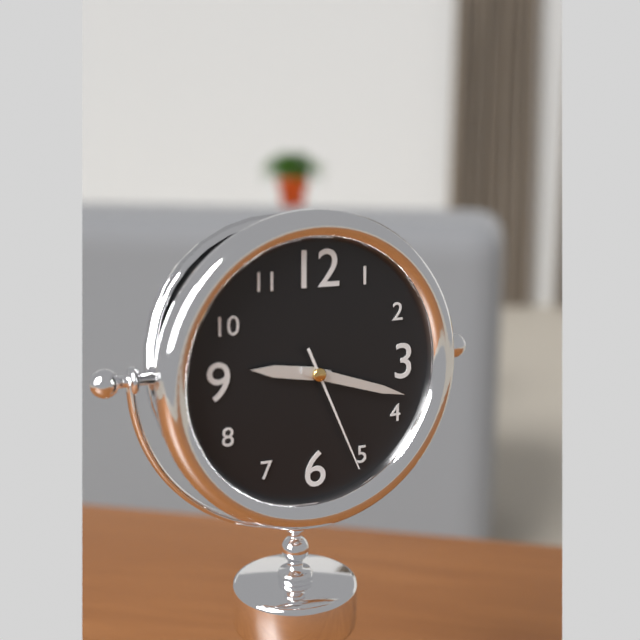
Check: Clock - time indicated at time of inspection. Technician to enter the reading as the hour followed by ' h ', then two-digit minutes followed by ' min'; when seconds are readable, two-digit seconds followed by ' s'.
9 h 18 min 26 s
